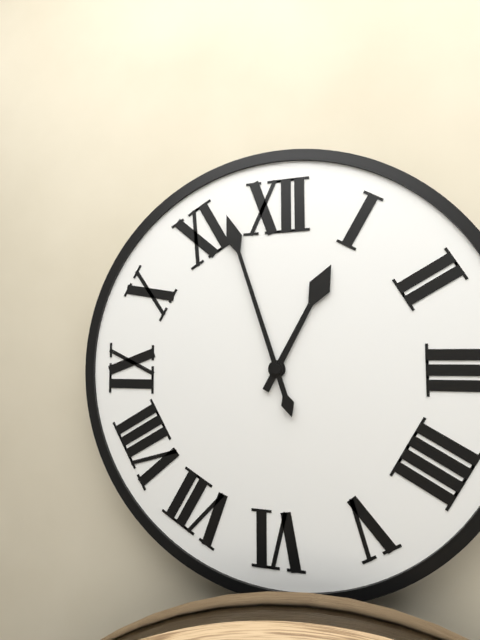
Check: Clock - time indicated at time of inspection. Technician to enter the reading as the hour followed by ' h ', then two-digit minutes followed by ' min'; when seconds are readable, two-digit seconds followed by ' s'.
12 h 57 min
